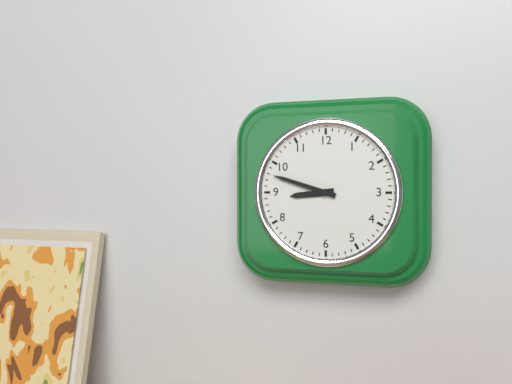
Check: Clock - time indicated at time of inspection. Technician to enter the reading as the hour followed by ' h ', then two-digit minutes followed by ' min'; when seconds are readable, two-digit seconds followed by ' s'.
8 h 48 min
